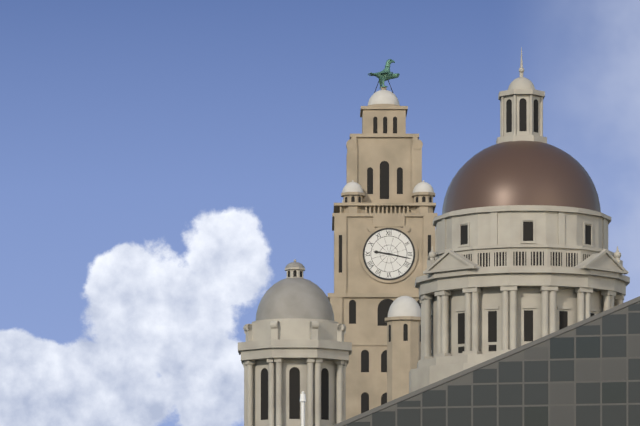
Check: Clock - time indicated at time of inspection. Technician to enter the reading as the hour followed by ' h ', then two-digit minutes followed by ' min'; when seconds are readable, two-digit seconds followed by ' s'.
9 h 17 min
